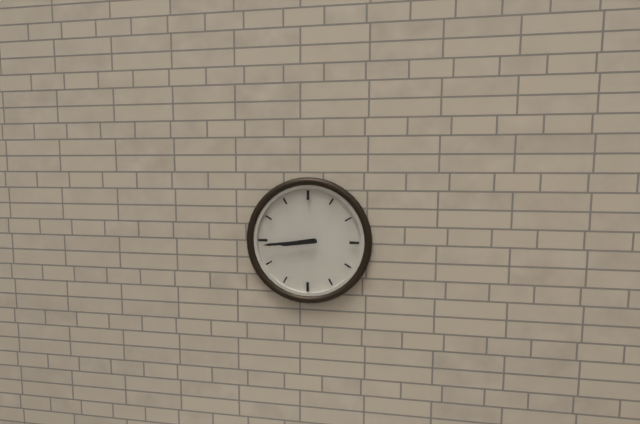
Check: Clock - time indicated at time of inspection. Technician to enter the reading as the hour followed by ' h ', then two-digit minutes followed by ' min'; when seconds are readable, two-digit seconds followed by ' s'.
8 h 44 min
